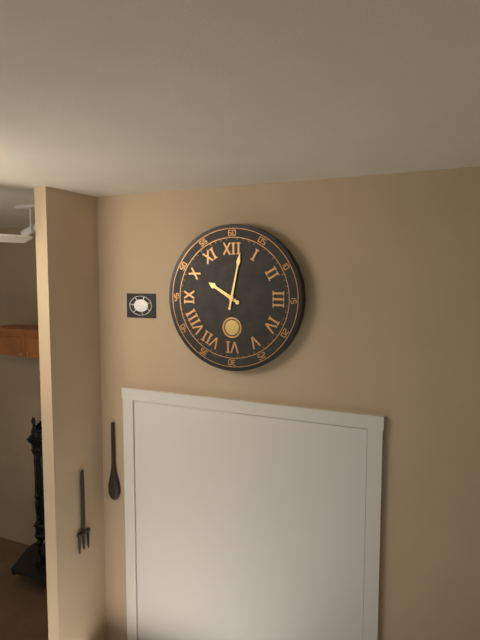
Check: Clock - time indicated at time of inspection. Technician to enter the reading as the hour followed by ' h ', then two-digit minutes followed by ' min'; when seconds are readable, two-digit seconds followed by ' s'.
10 h 02 min
